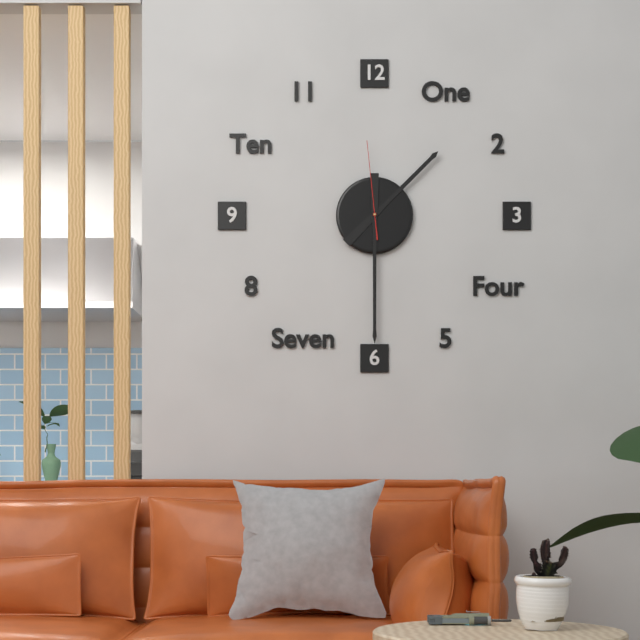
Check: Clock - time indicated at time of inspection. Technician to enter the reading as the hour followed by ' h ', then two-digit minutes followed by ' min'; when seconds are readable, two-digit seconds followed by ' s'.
1 h 30 min 59 s
